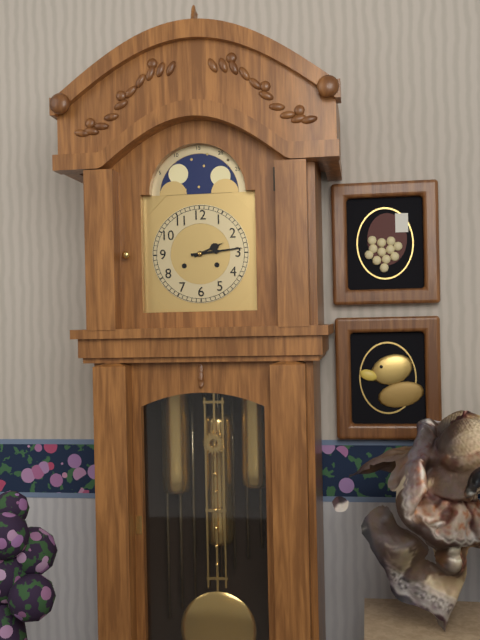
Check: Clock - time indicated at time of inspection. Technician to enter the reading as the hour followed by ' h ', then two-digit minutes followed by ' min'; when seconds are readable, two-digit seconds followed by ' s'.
2 h 14 min
